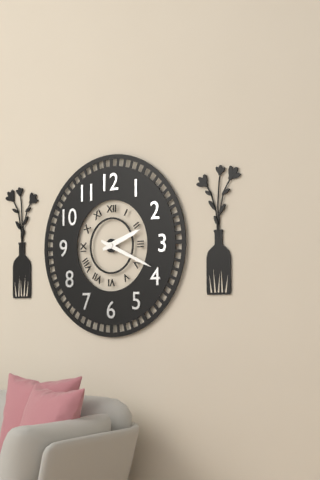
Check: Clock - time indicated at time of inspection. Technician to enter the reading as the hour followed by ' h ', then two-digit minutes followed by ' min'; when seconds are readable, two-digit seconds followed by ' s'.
2 h 19 min
